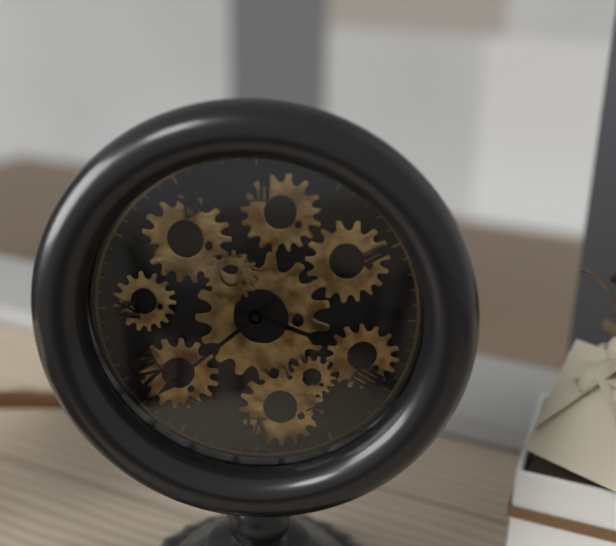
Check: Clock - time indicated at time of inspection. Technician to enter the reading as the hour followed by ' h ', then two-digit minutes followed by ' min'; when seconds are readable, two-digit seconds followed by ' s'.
3 h 38 min
